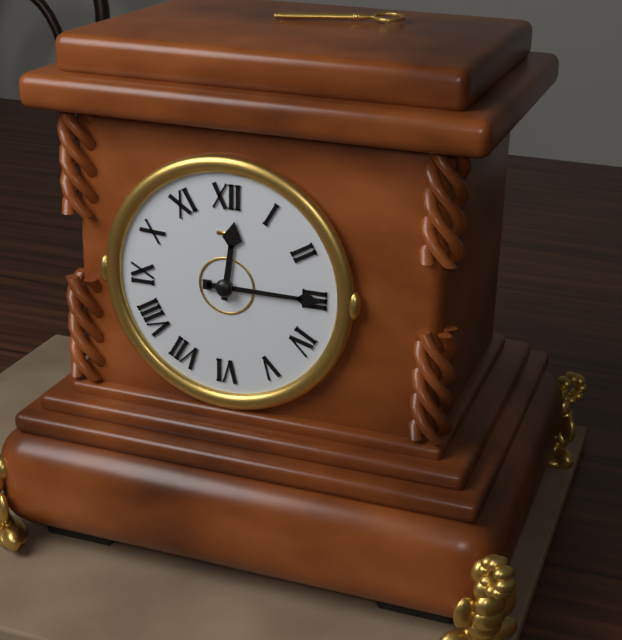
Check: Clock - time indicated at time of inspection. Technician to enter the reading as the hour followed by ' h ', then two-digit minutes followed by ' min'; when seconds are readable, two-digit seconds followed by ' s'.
12 h 15 min
